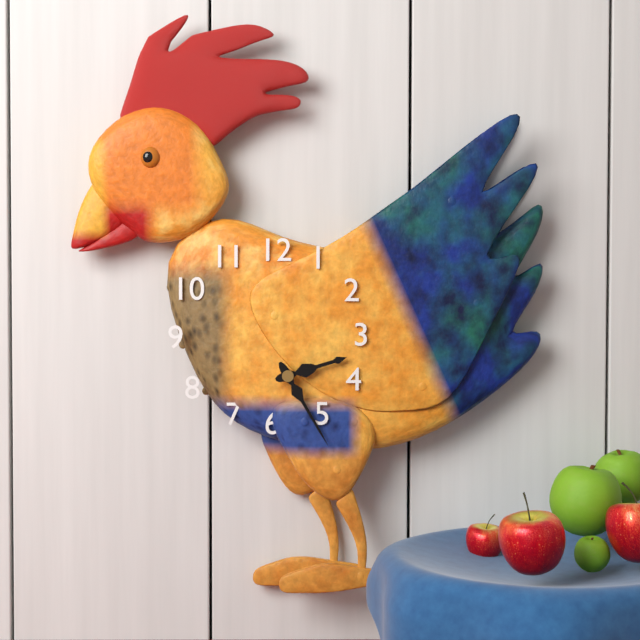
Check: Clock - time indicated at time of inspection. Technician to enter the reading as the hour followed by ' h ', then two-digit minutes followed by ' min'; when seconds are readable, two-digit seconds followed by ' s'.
2 h 25 min
